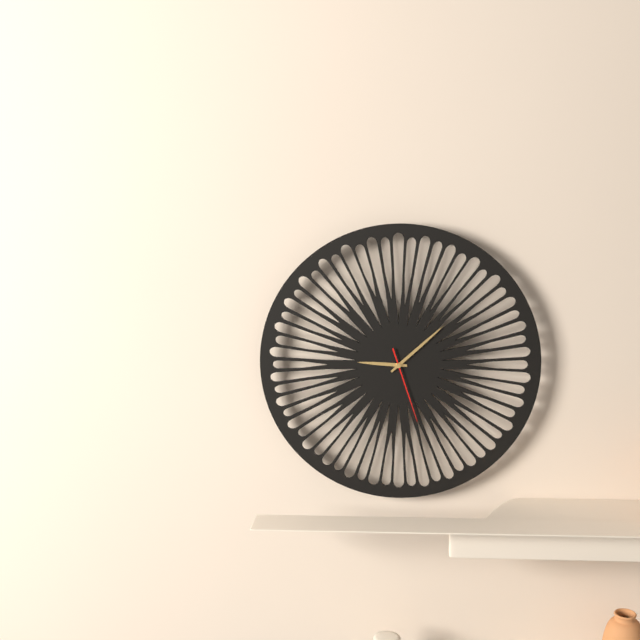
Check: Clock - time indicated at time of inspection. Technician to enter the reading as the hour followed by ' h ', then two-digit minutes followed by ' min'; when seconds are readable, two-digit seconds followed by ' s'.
9 h 08 min 27 s
